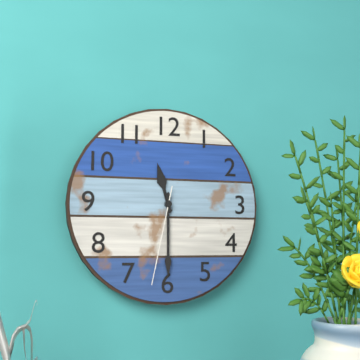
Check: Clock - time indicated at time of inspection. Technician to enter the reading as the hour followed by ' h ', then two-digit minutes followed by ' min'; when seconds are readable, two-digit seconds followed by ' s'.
11 h 30 min 32 s
